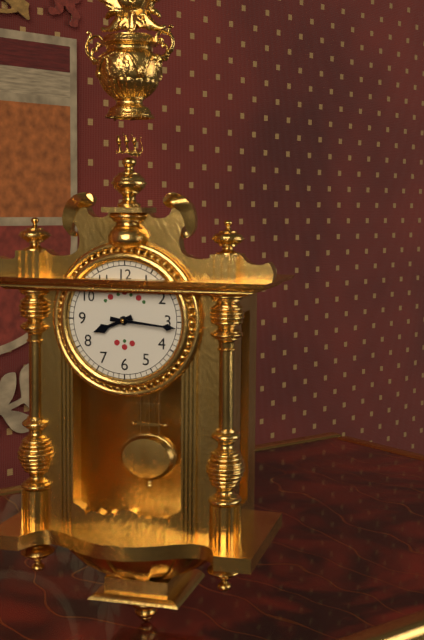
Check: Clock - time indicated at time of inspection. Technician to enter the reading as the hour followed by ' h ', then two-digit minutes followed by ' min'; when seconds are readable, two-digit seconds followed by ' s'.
8 h 16 min
